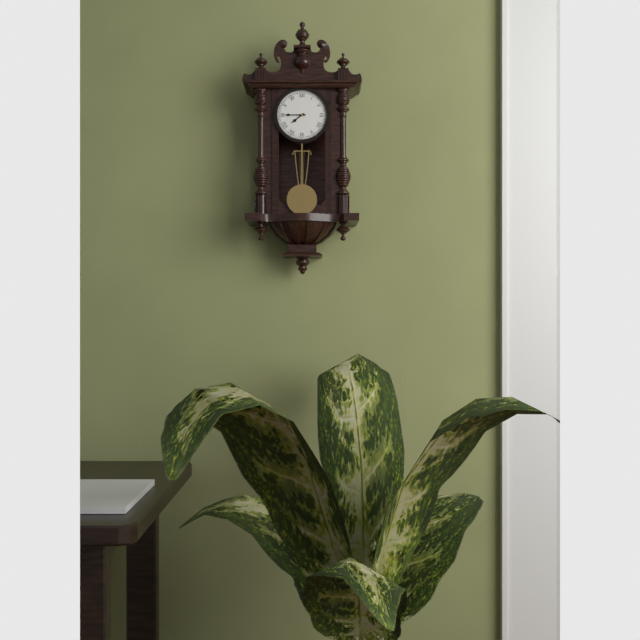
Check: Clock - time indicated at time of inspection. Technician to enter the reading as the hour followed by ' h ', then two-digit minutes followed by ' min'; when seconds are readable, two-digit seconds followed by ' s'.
7 h 45 min
